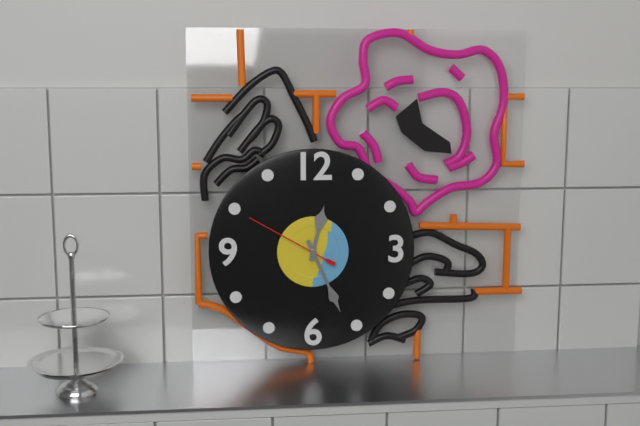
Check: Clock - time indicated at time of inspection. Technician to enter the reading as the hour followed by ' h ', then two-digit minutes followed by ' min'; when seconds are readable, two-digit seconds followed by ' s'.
12 h 26 min 50 s
